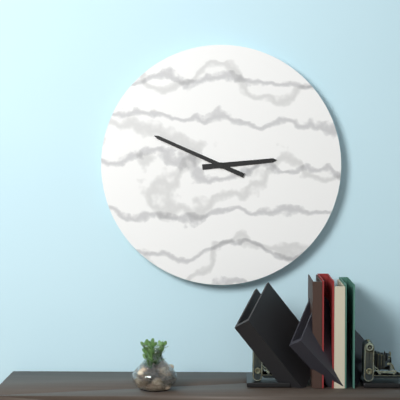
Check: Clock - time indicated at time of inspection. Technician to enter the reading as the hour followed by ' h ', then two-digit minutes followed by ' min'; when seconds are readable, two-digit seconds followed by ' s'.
2 h 49 min
